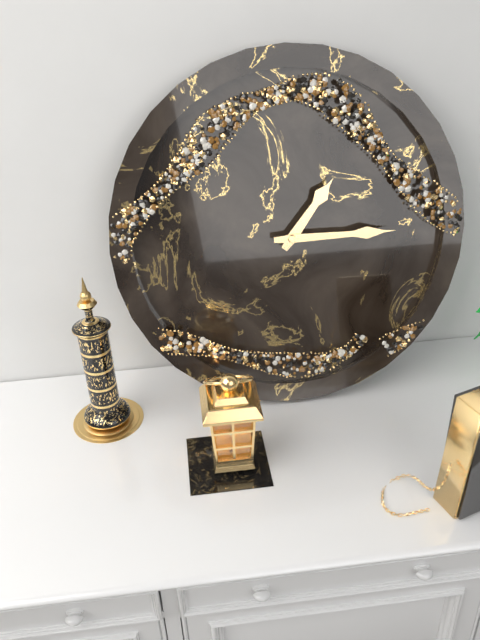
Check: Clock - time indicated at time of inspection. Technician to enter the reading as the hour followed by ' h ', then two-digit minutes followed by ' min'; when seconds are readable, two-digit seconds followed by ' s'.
1 h 15 min
